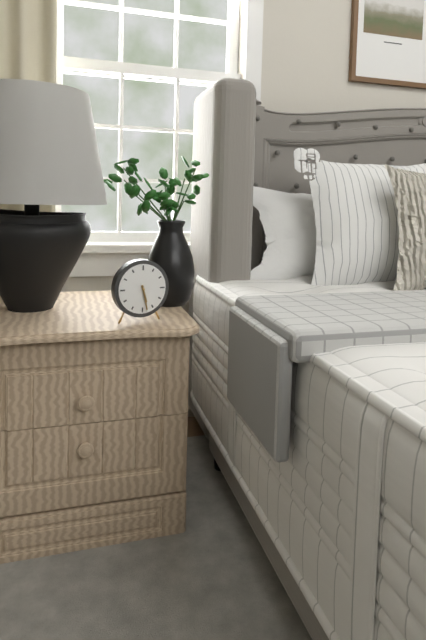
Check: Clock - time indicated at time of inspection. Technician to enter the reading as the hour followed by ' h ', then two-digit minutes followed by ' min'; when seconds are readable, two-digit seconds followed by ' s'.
5 h 28 min
